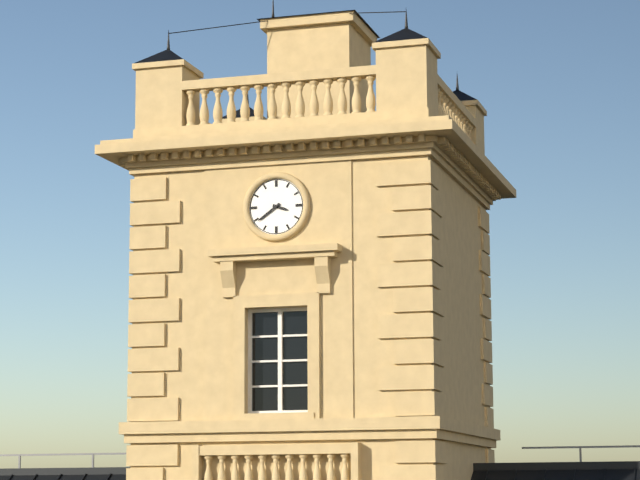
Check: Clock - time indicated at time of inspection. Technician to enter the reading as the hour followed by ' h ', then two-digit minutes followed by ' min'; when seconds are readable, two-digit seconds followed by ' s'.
3 h 39 min
